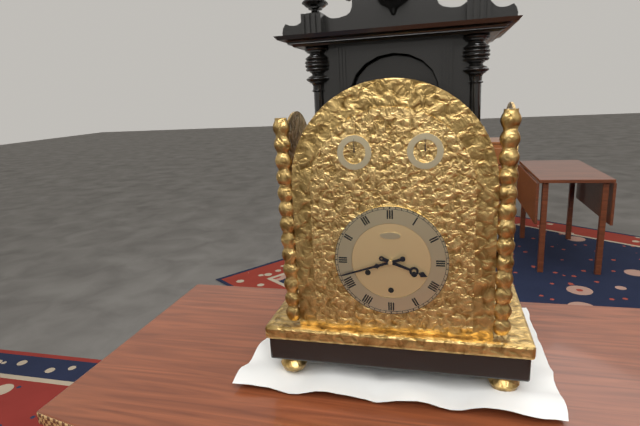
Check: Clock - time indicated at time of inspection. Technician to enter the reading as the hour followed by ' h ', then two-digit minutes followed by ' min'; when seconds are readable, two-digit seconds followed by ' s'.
3 h 42 min
